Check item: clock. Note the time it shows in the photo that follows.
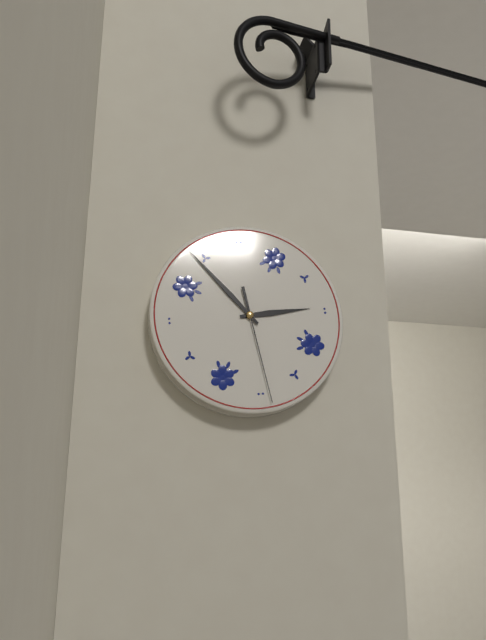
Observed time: 2:54:29
